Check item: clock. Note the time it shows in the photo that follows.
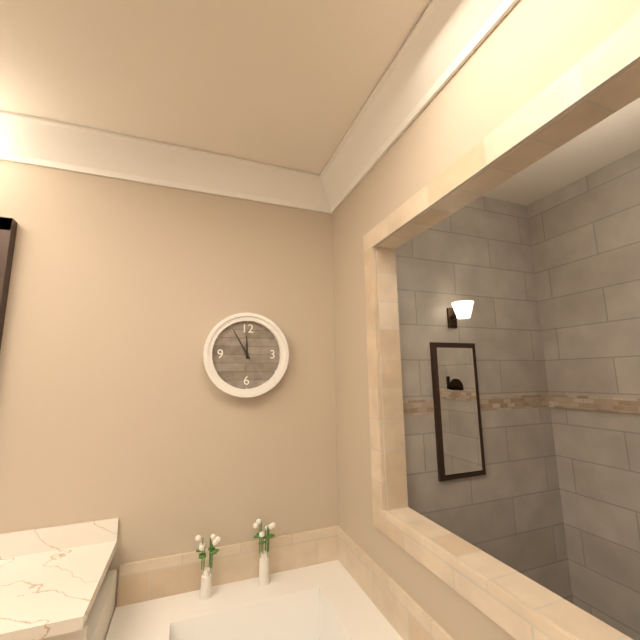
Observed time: 11:55
